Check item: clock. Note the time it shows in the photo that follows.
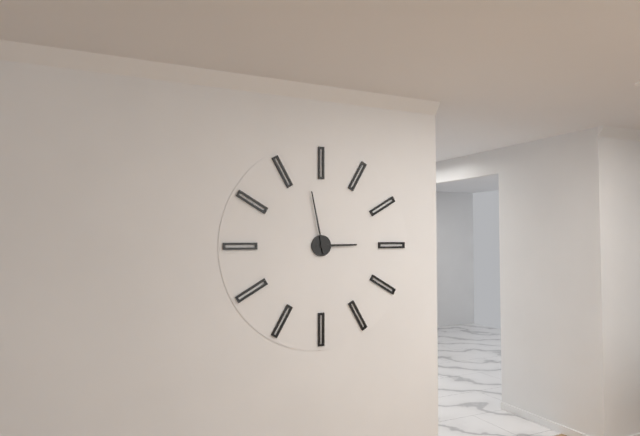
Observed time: 2:58
